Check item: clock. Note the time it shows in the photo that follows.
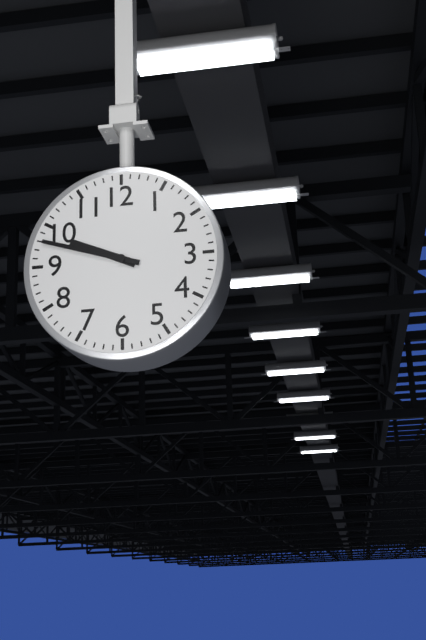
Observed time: 9:48
